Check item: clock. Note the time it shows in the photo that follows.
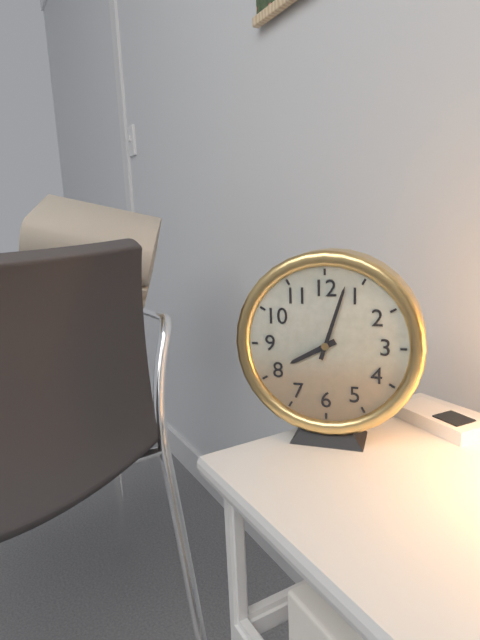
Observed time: 8:03
